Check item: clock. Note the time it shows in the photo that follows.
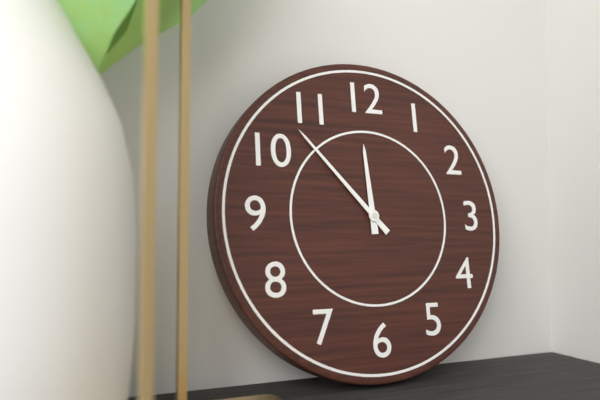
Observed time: 11:53
